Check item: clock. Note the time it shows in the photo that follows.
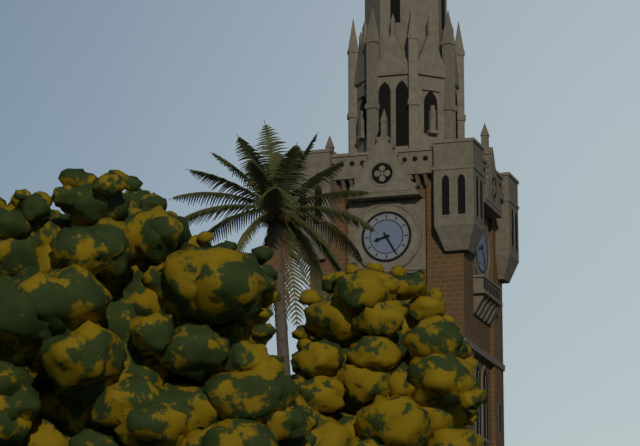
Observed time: 8:25
